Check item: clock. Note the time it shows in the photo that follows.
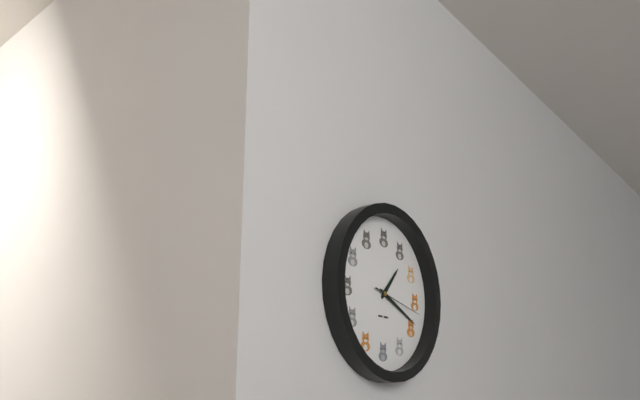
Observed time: 1:19:17
